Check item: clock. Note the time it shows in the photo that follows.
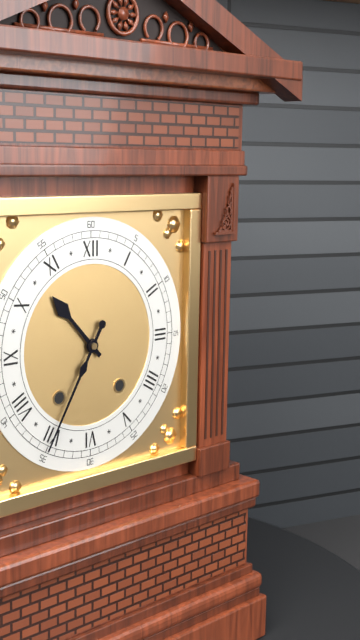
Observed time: 10:35
